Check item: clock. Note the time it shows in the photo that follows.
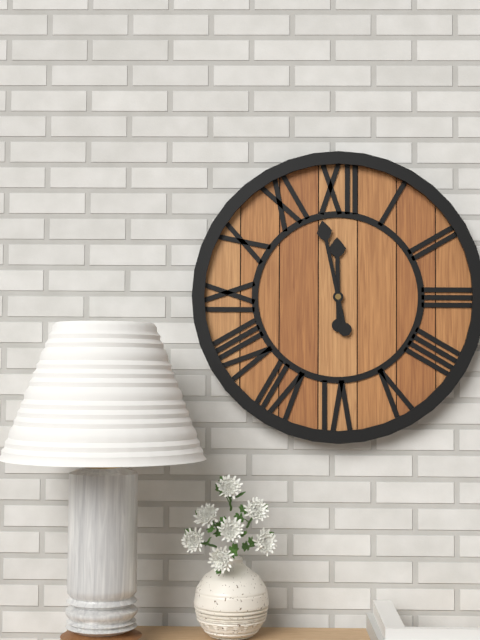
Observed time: 11:58
